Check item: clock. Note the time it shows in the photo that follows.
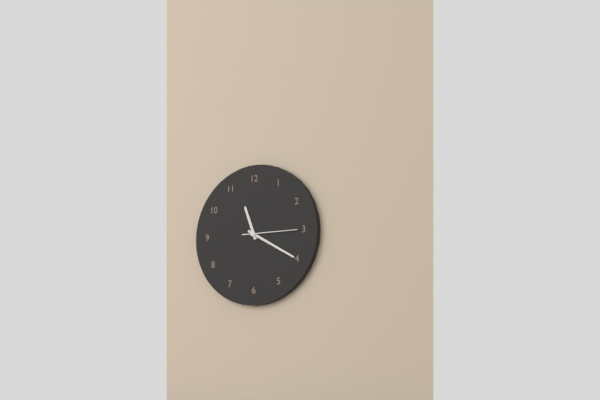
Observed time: 11:20:15
